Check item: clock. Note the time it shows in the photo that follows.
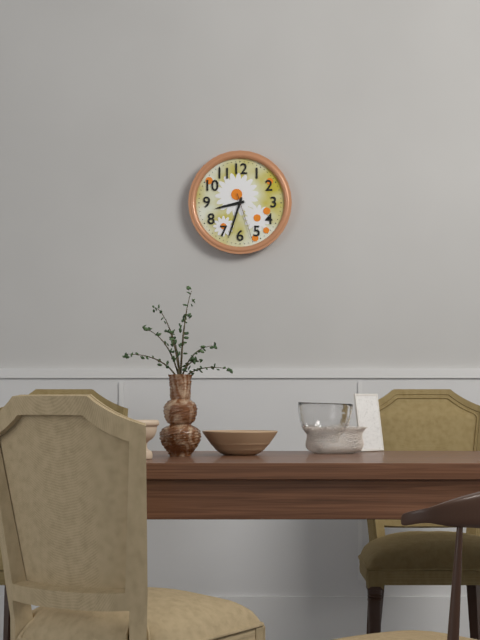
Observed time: 8:33
